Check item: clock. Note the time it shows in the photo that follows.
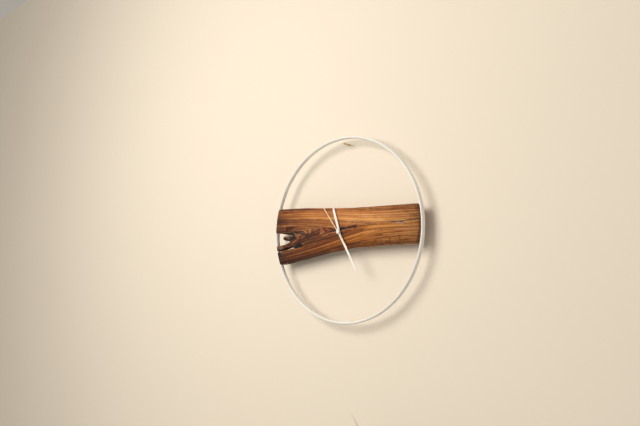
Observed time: 11:25
